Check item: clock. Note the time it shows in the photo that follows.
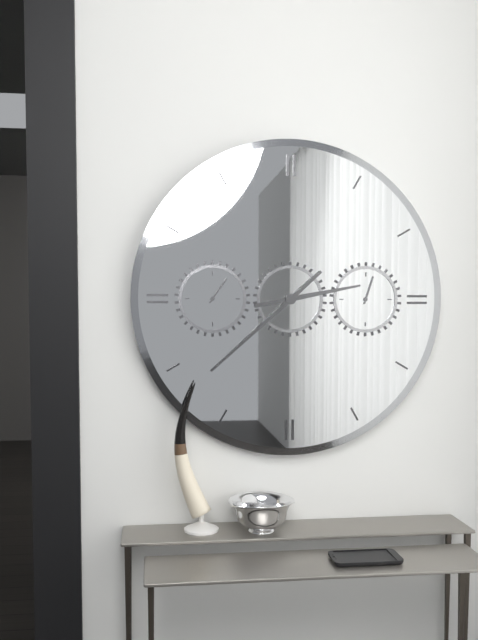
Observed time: 2:38
